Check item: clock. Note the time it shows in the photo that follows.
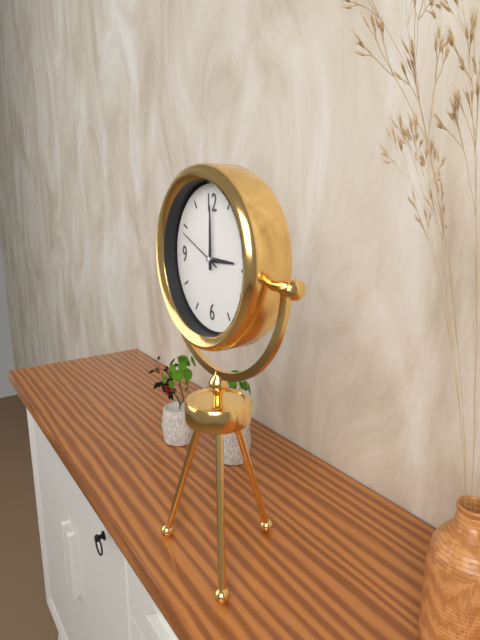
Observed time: 3:00
